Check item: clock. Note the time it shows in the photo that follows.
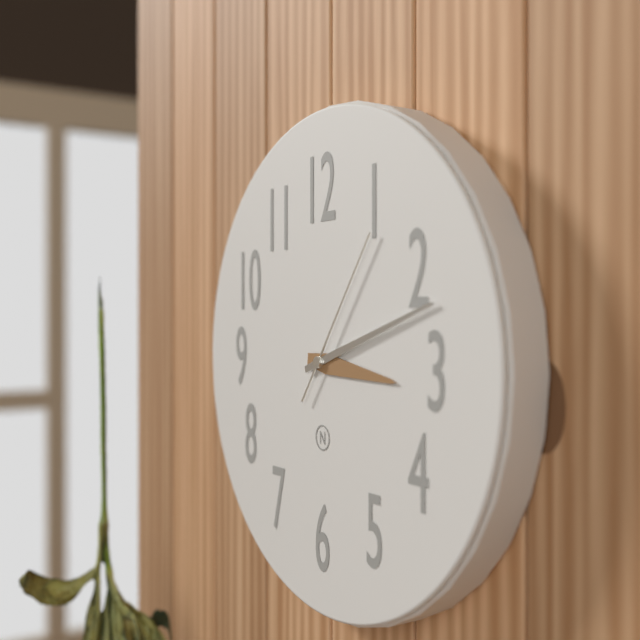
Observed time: 3:12:06
